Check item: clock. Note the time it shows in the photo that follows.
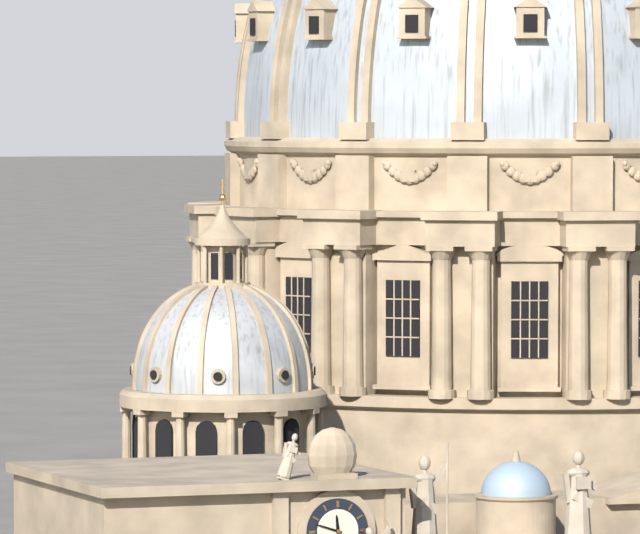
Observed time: 11:48
